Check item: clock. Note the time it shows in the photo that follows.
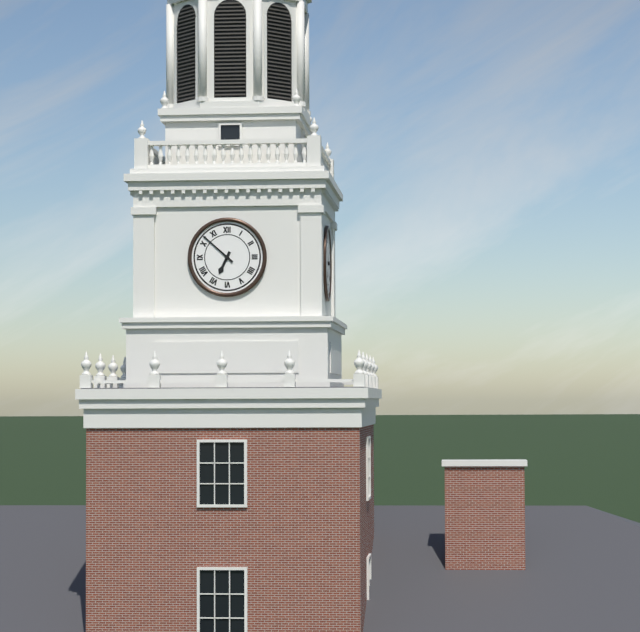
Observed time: 6:52
